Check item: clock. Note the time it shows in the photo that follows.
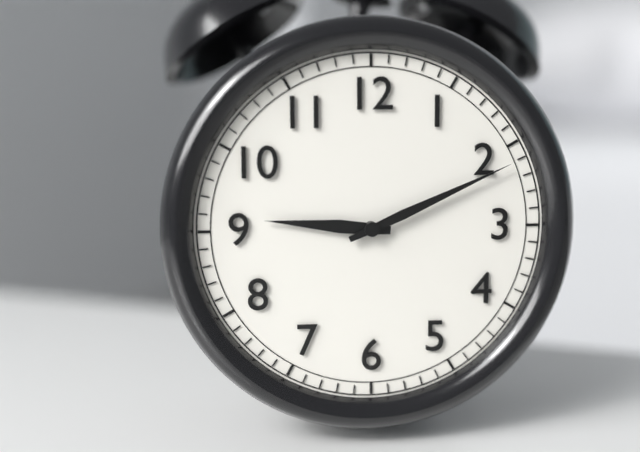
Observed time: 9:11
